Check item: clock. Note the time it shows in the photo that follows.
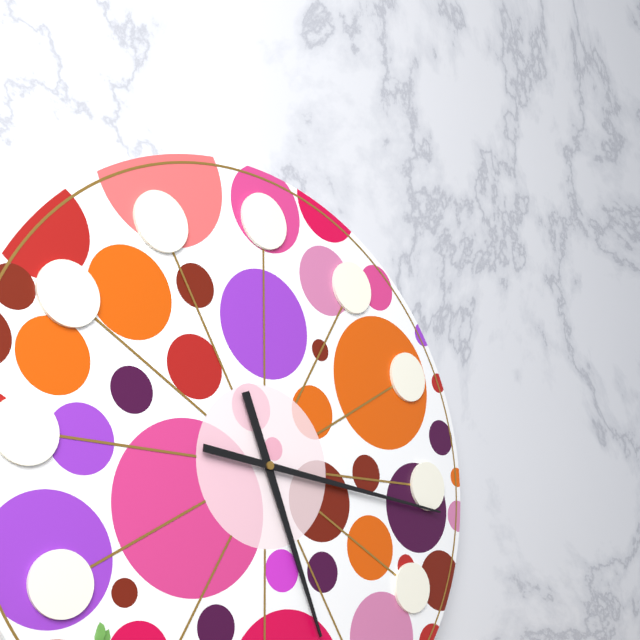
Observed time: 5:16
